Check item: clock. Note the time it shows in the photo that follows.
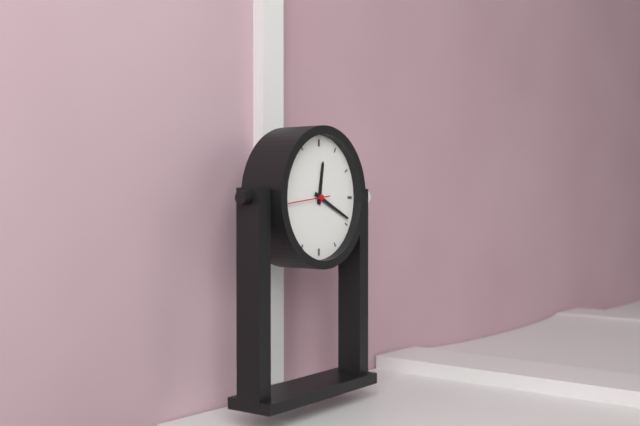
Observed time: 12:19
